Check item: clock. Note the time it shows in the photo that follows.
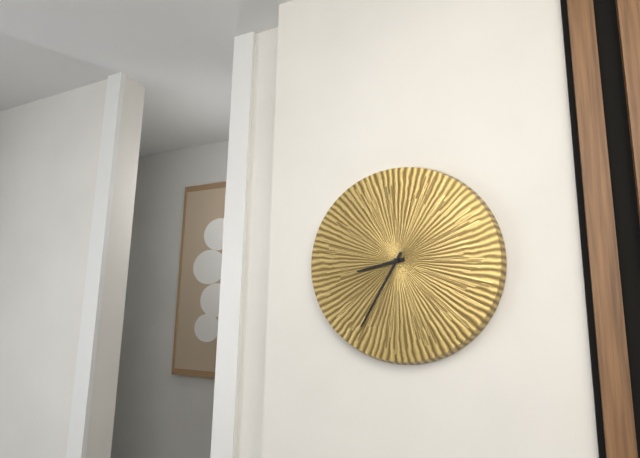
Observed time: 8:35
